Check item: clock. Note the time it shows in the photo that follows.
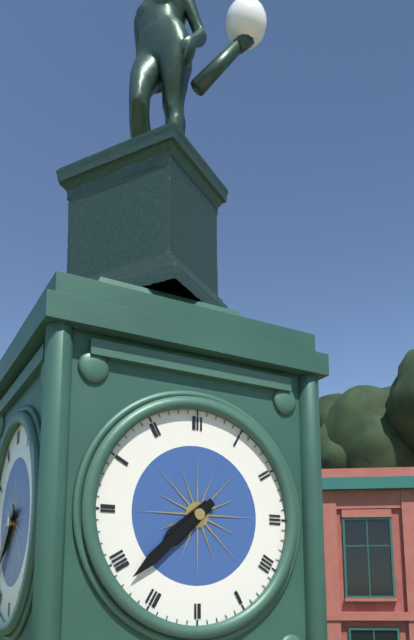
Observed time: 7:38
